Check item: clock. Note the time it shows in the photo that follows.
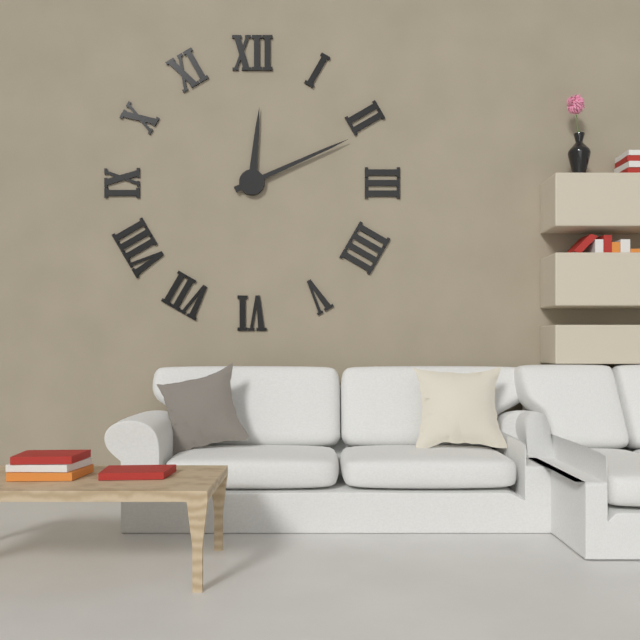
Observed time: 12:11
